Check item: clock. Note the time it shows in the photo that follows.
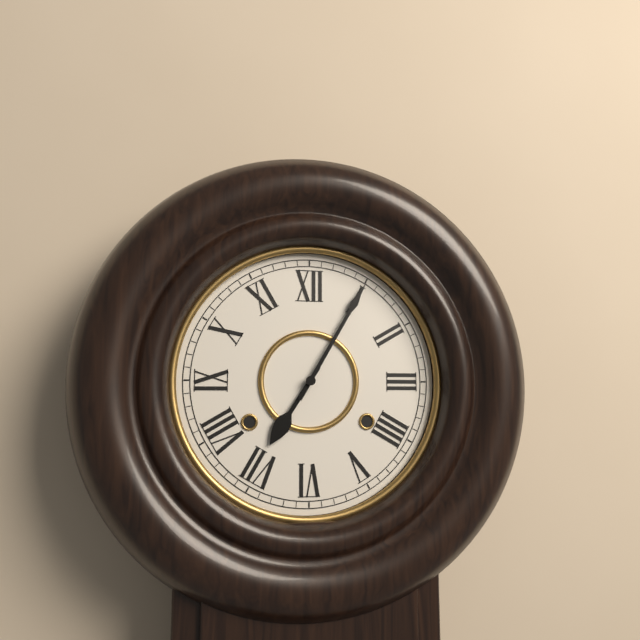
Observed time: 7:05
